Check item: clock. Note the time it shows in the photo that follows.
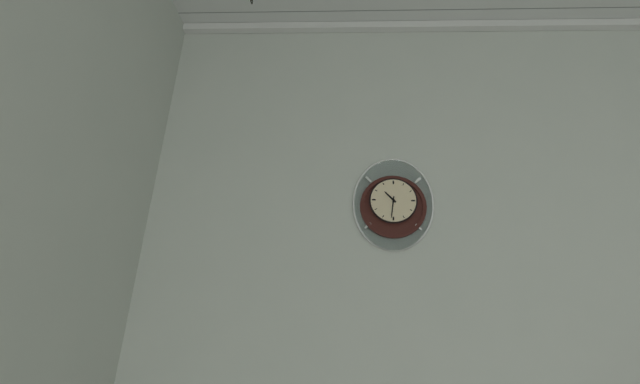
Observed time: 10:31
